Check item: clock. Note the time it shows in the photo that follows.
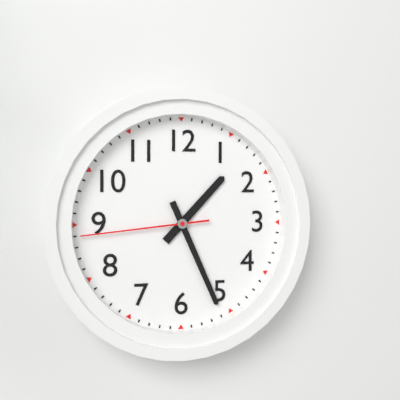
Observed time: 1:26:44
